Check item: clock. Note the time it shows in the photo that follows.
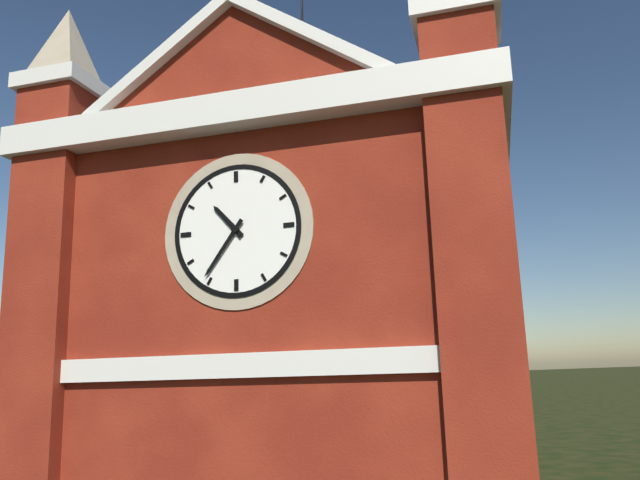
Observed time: 10:36
